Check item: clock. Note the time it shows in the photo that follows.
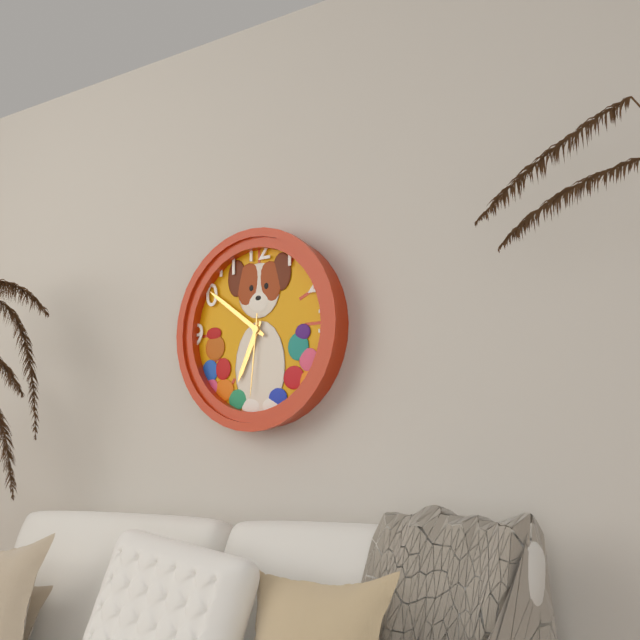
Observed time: 6:51:31
